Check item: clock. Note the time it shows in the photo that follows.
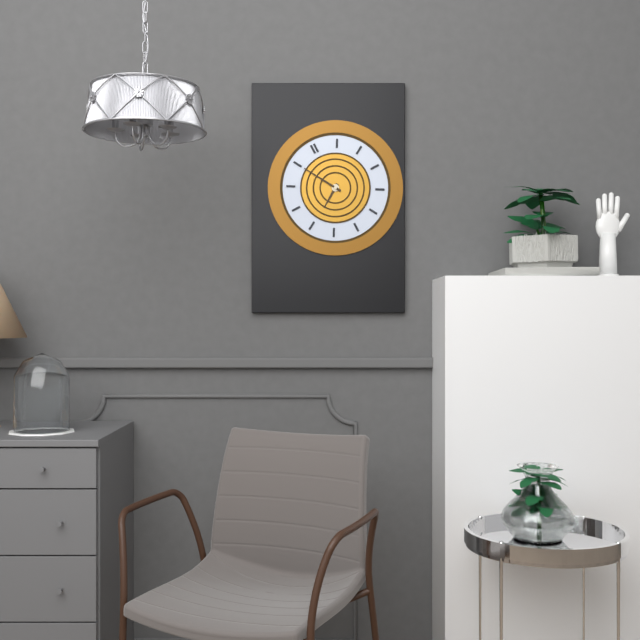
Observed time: 7:55
